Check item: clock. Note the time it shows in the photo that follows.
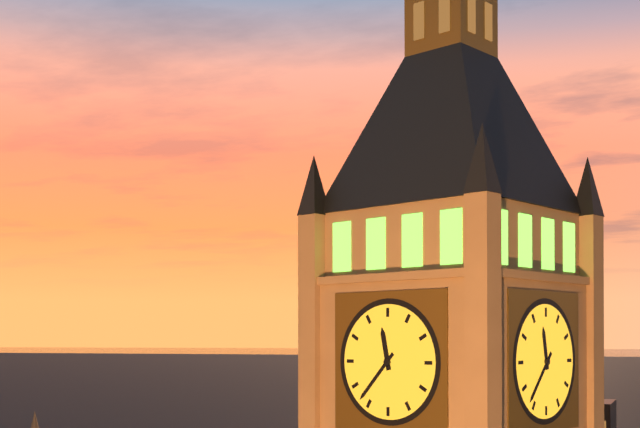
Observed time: 11:37
